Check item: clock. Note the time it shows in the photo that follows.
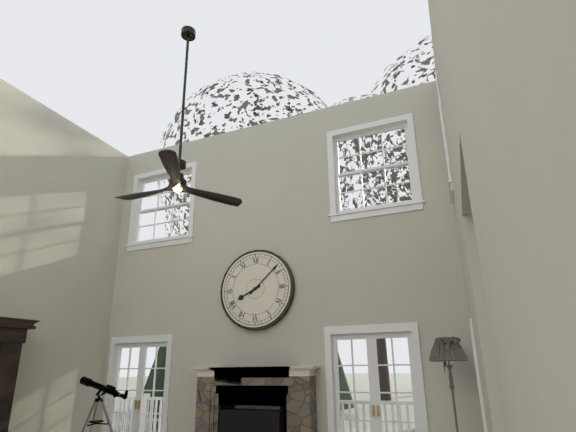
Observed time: 8:08
